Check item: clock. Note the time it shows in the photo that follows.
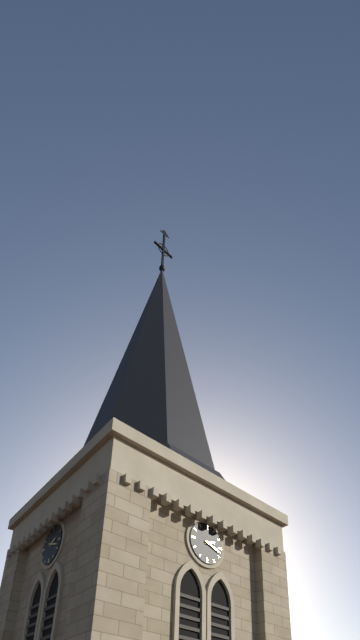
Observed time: 2:18
